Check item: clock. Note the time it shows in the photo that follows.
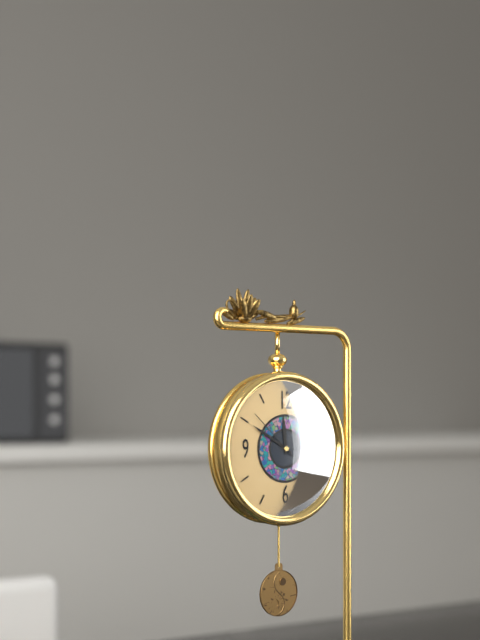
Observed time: 11:50:52
